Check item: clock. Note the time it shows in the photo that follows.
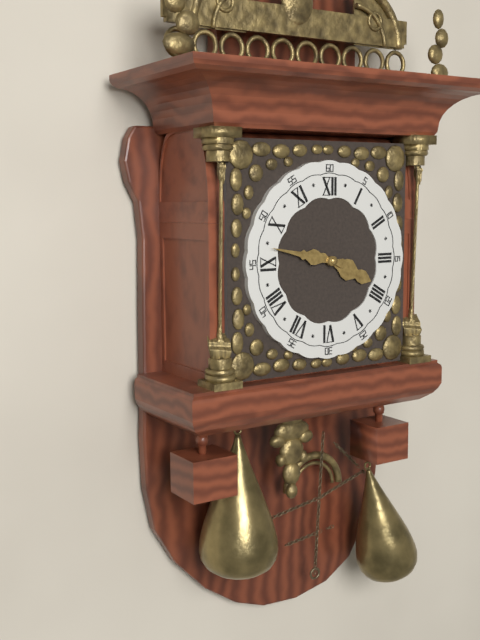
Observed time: 3:47
